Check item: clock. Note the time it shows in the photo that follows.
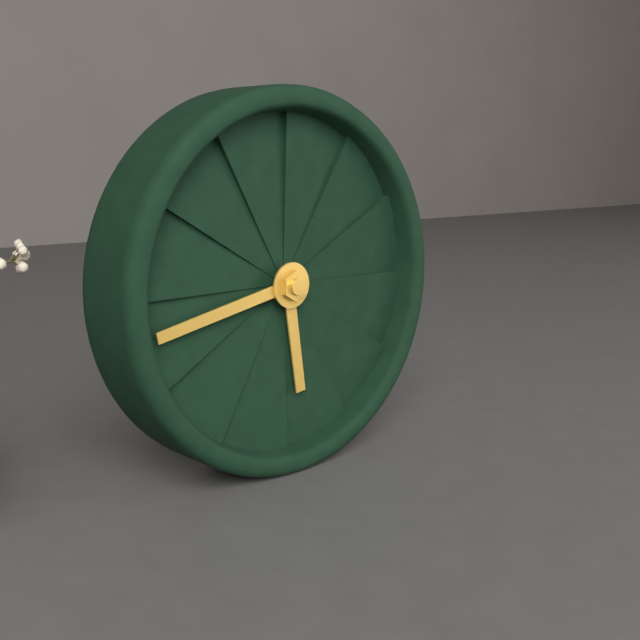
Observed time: 5:43
